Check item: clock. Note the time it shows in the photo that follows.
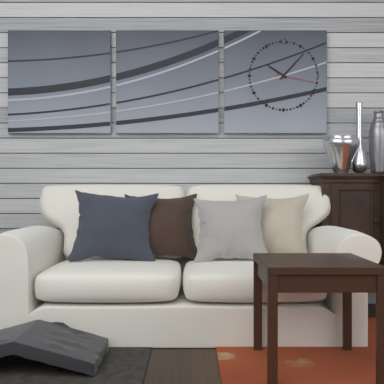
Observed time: 10:07
